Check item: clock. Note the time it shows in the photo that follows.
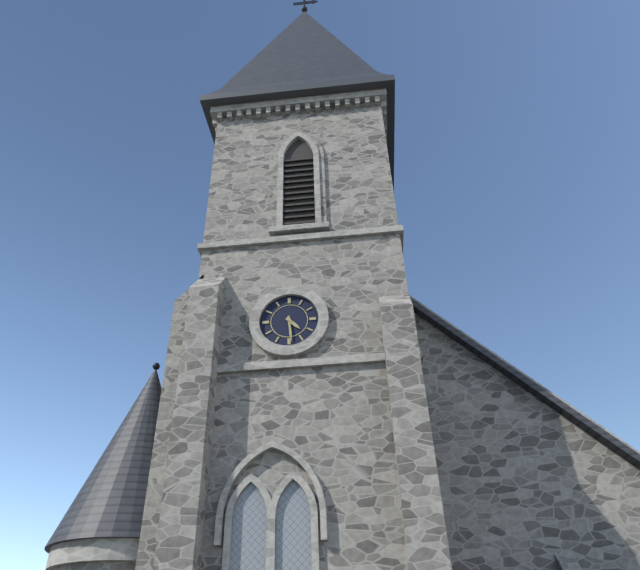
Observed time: 4:29
